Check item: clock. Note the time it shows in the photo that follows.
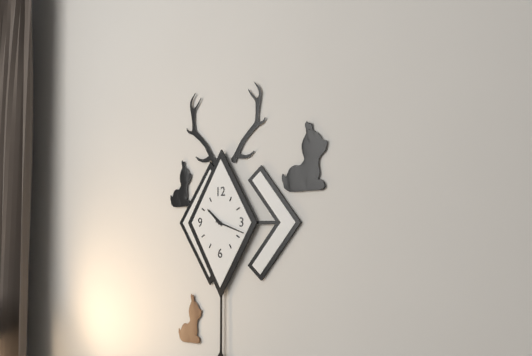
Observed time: 10:18
